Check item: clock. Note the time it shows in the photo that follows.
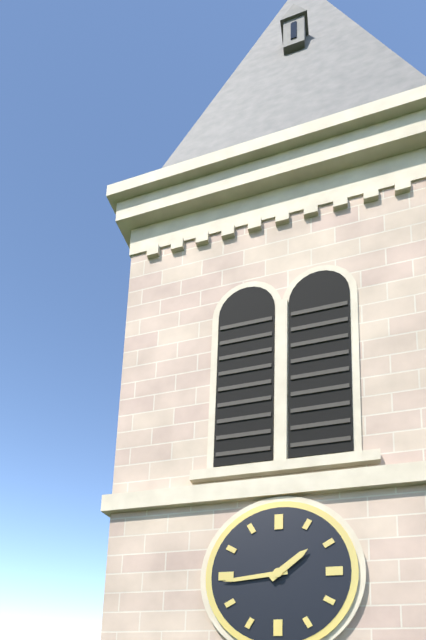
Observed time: 1:44
